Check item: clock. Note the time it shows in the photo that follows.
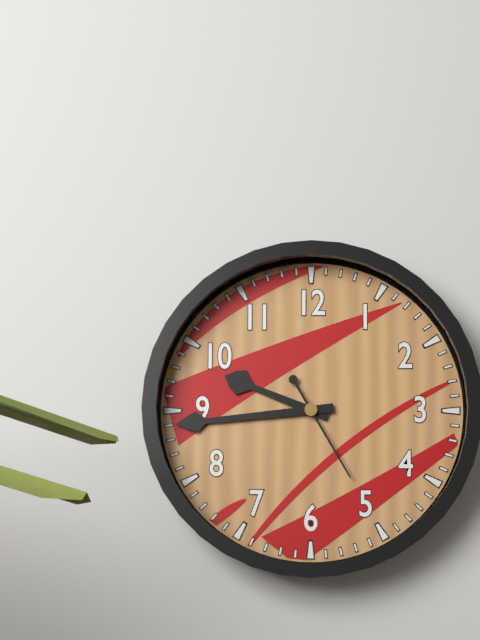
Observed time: 9:44:25
